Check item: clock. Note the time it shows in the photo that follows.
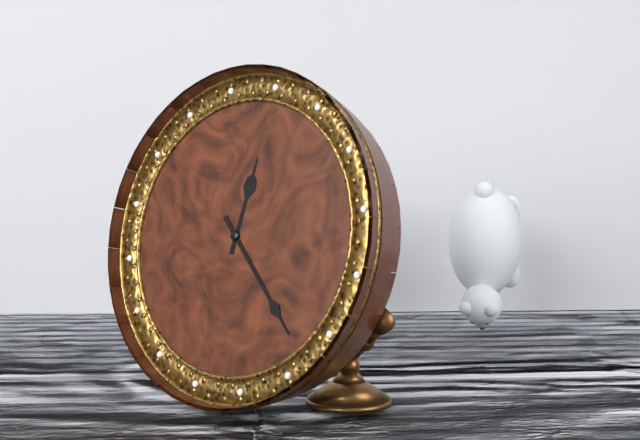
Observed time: 12:23
